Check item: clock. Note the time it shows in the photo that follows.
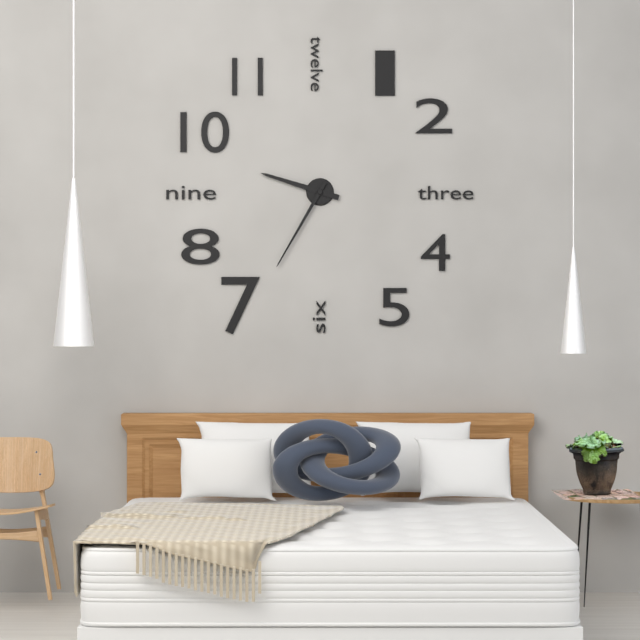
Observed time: 9:35
